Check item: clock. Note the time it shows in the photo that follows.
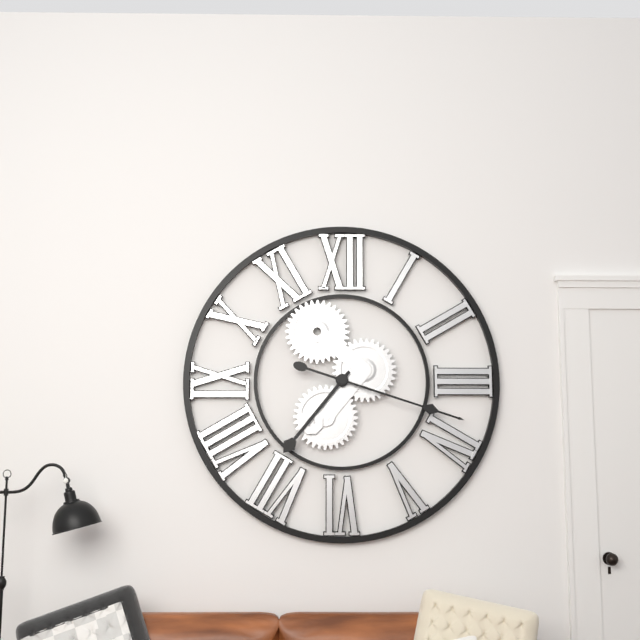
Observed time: 7:18
